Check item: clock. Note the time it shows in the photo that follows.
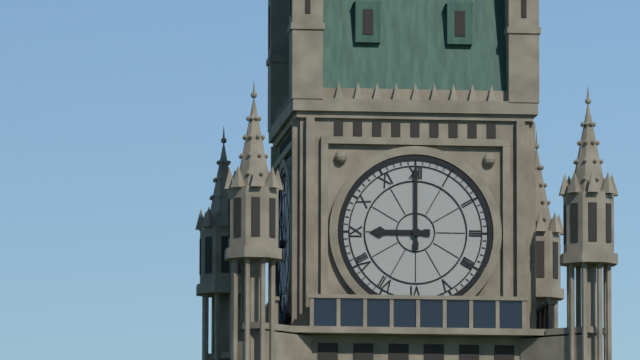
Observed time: 9:00
